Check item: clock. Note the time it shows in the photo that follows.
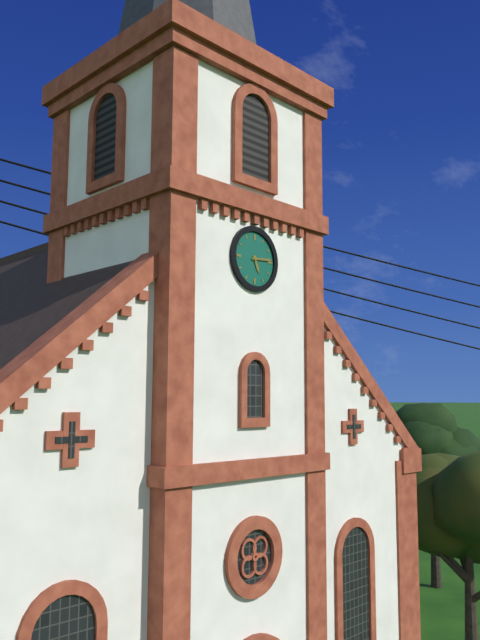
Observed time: 5:14
